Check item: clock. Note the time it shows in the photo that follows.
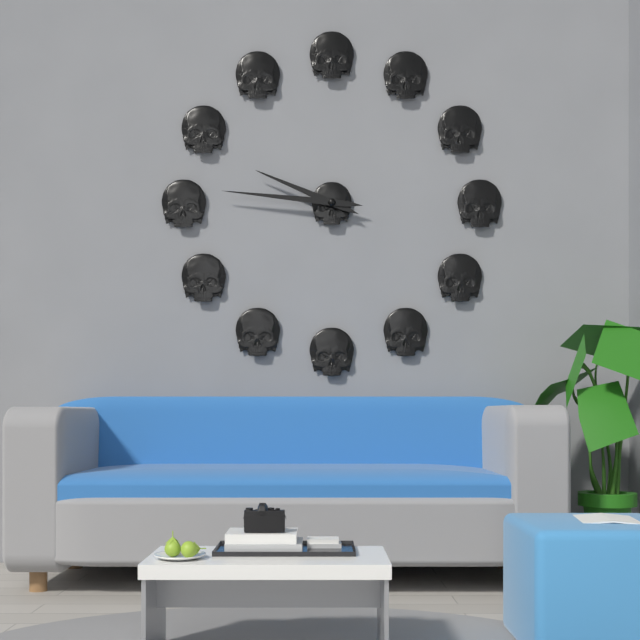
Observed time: 9:46
